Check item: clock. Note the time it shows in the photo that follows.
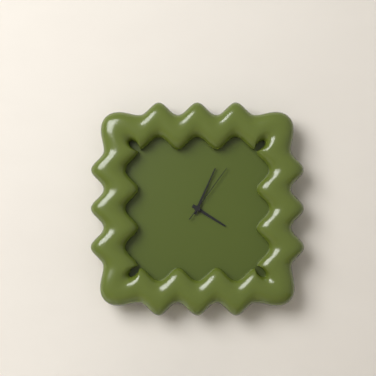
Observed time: 4:04:06
